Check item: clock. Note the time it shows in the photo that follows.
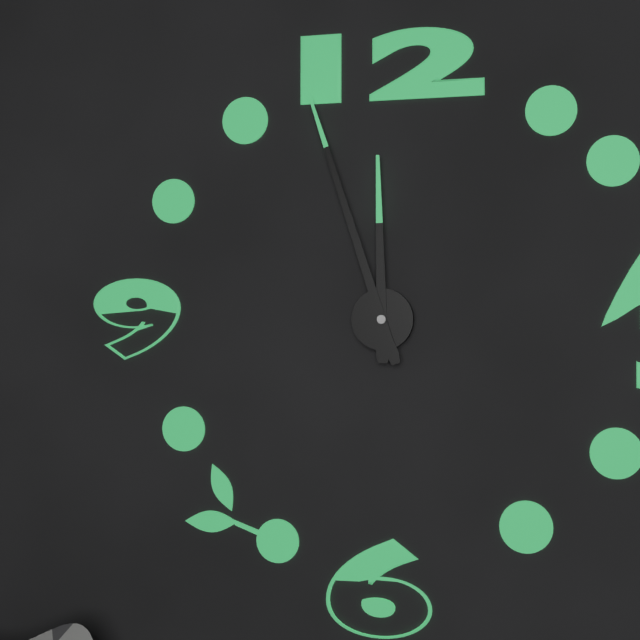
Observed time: 11:57
